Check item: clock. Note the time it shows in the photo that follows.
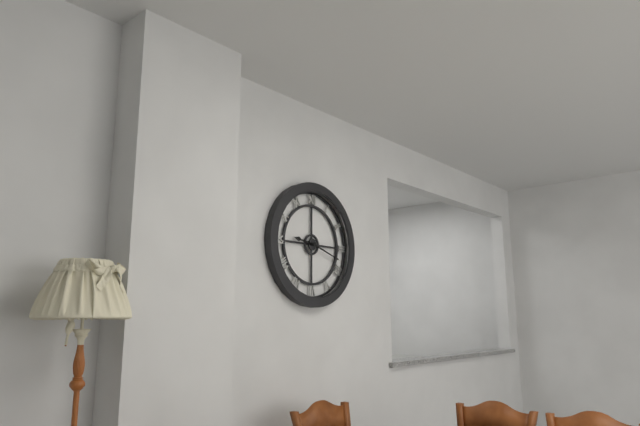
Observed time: 9:18
